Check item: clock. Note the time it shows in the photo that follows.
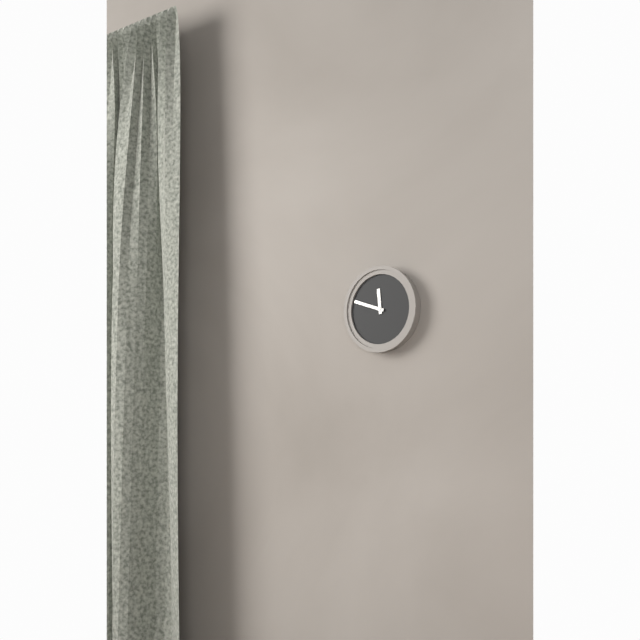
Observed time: 11:48
